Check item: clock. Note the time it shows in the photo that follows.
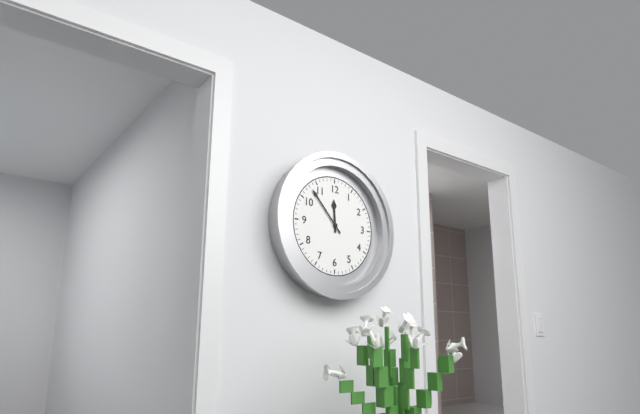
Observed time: 11:53
